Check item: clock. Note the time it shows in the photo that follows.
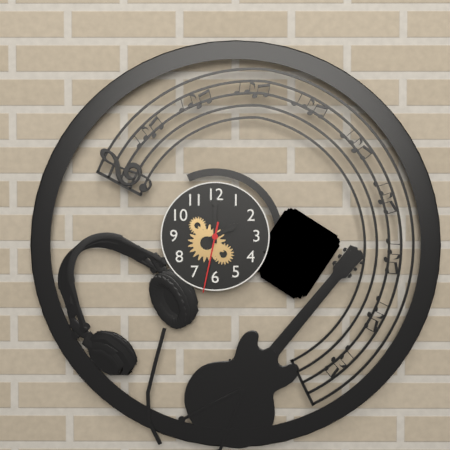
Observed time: 2:00:32
